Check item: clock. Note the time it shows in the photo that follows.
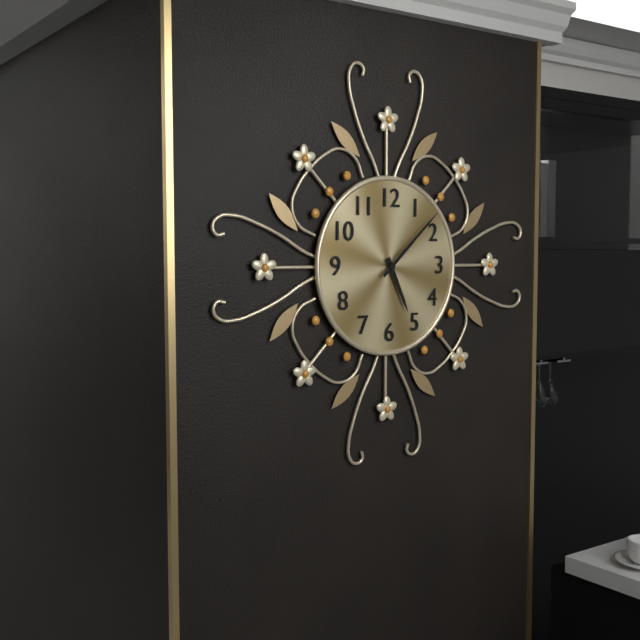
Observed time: 5:08
